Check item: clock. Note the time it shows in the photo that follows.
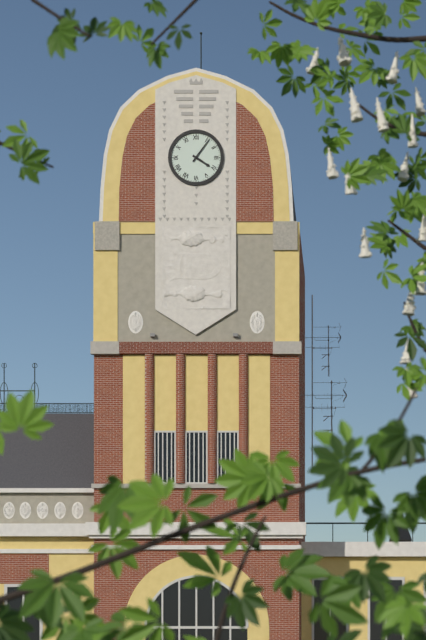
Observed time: 4:06
